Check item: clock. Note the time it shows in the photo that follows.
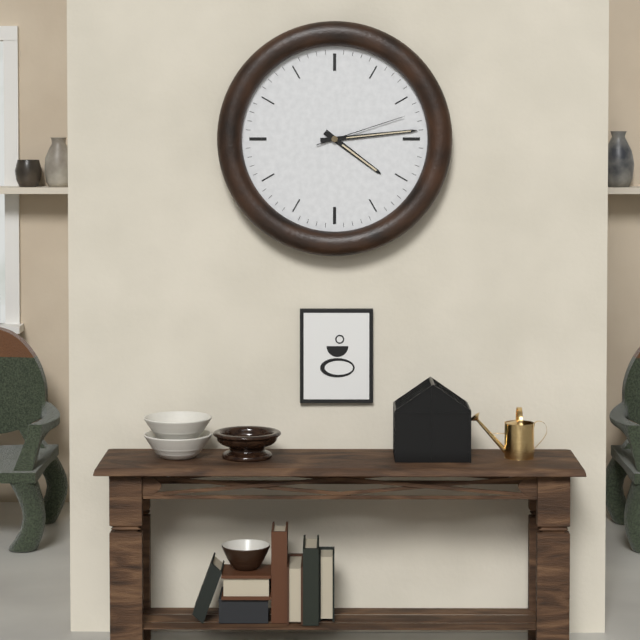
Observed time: 4:14:12
